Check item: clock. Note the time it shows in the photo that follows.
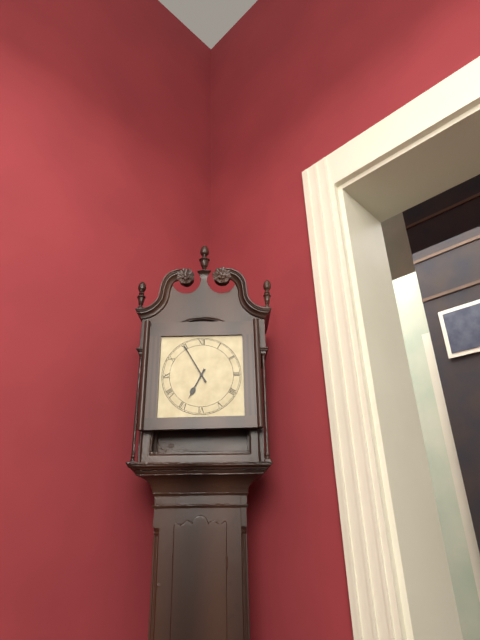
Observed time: 6:55
